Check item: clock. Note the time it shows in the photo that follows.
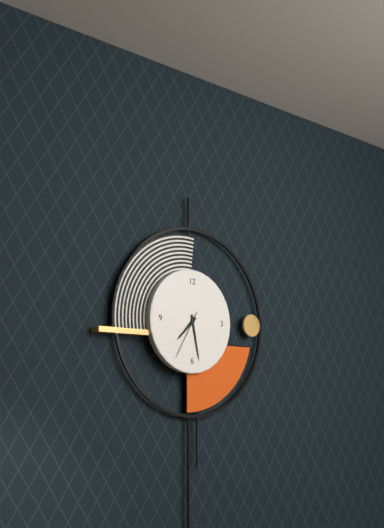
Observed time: 7:28:35
